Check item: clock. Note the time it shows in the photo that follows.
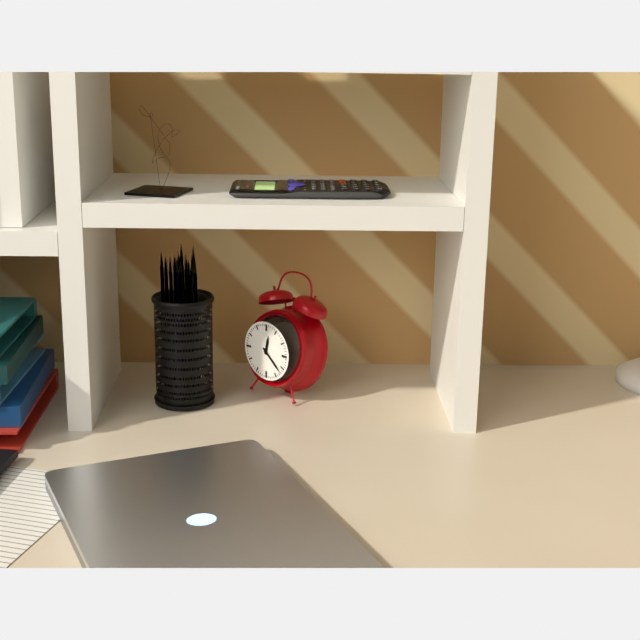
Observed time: 12:22
